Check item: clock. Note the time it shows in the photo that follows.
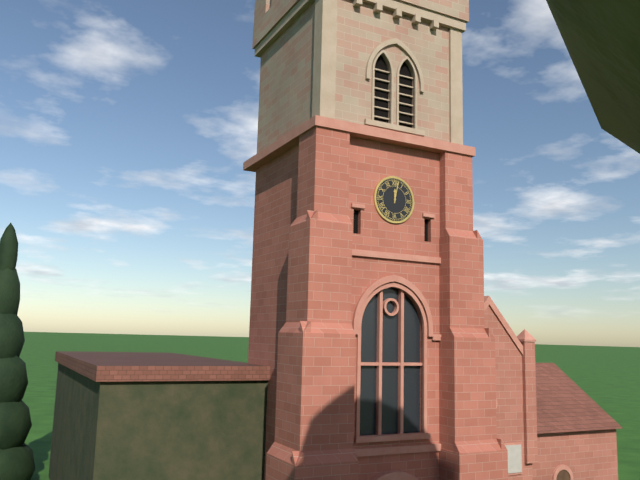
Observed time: 12:02
